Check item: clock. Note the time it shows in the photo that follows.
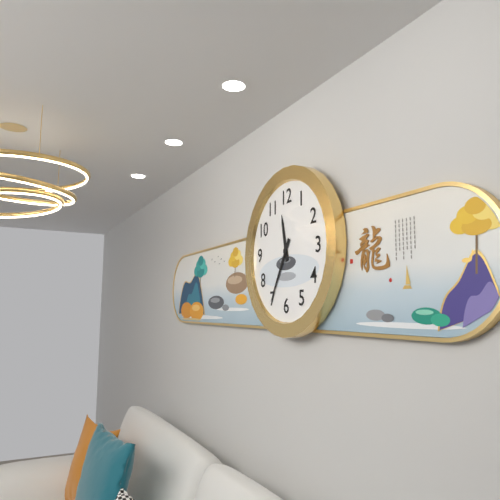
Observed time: 11:35
